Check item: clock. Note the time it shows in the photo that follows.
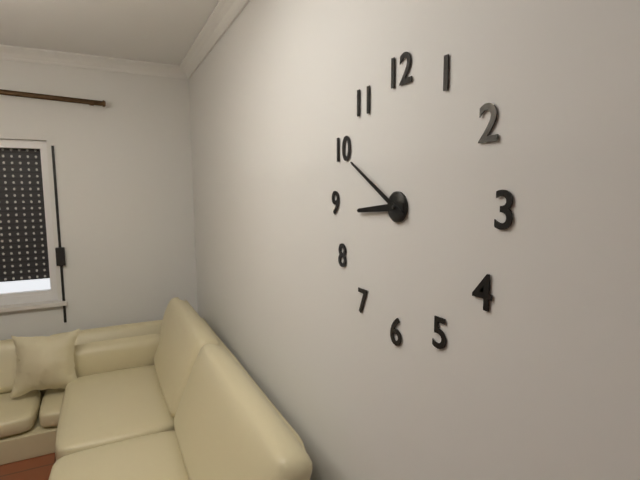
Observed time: 8:50
